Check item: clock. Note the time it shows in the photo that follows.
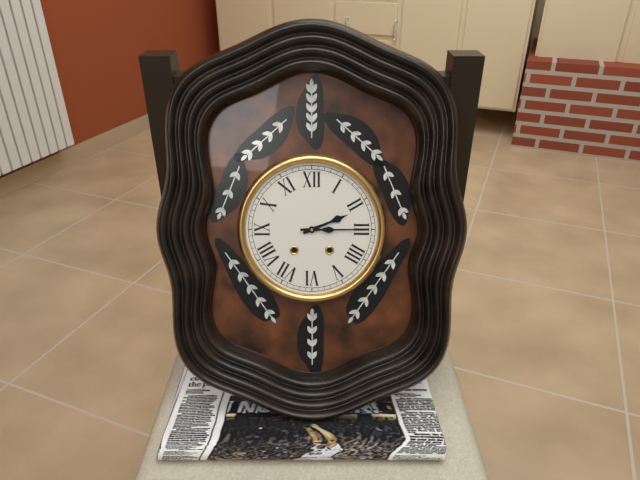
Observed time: 2:15
